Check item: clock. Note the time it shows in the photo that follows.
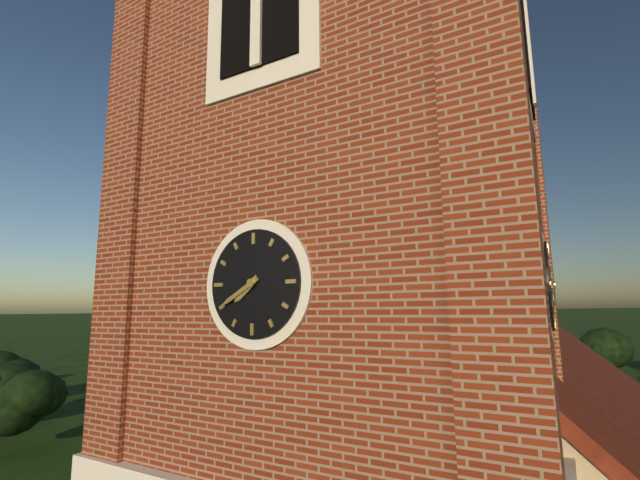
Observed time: 7:40
